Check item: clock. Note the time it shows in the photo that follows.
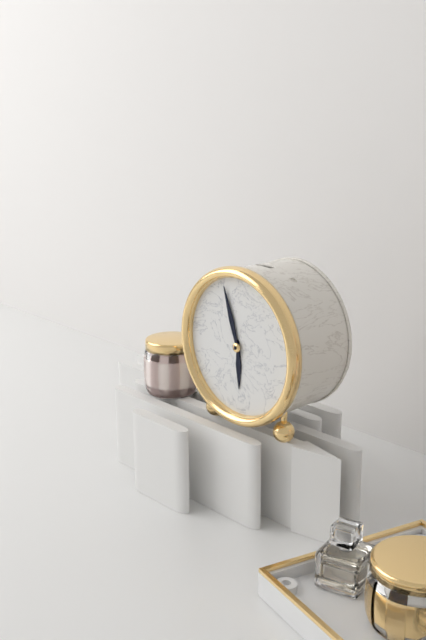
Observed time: 5:57
